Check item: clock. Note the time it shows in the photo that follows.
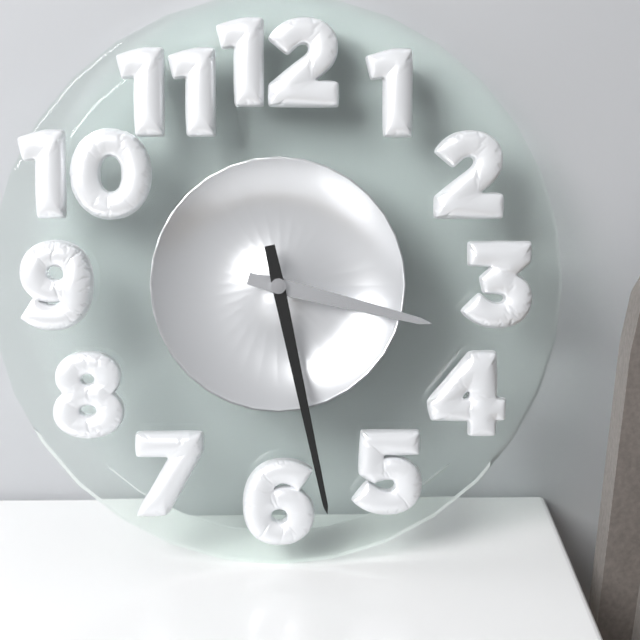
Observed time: 3:28
